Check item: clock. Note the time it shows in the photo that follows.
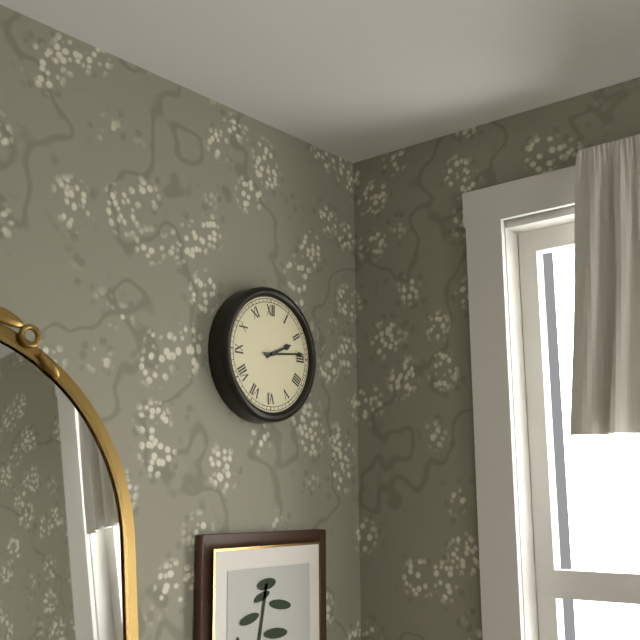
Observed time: 2:14
